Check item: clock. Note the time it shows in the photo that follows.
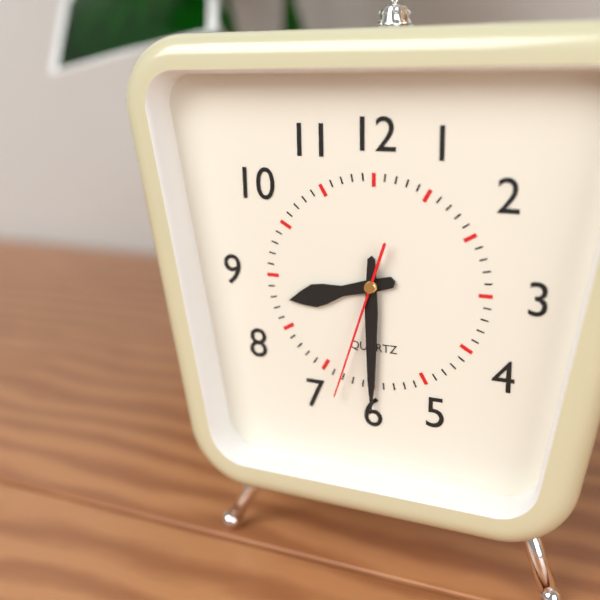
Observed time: 8:30:33
